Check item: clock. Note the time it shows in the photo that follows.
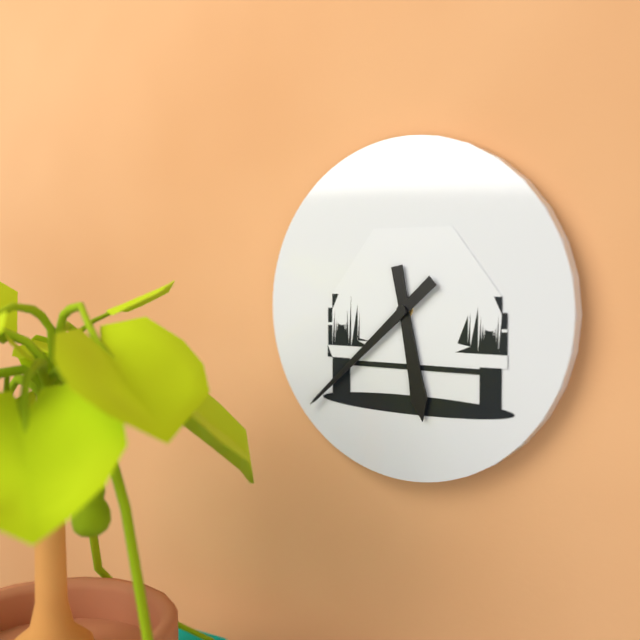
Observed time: 5:38
